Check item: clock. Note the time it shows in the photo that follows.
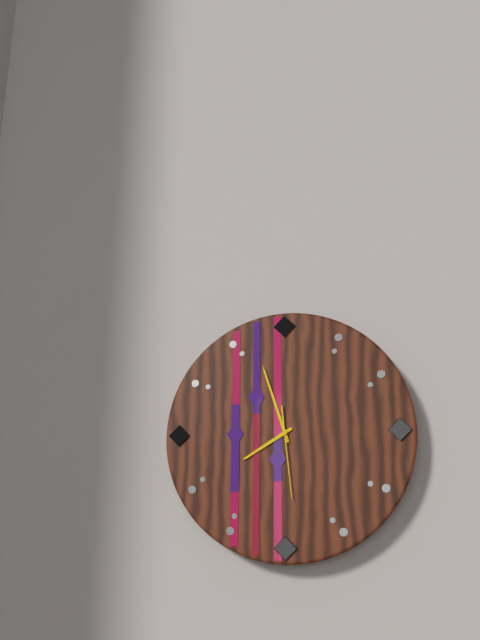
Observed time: 7:57:29
